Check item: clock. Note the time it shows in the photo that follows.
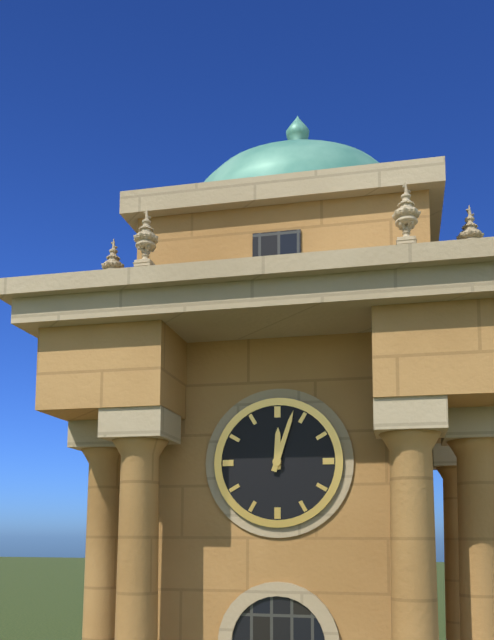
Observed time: 12:03
